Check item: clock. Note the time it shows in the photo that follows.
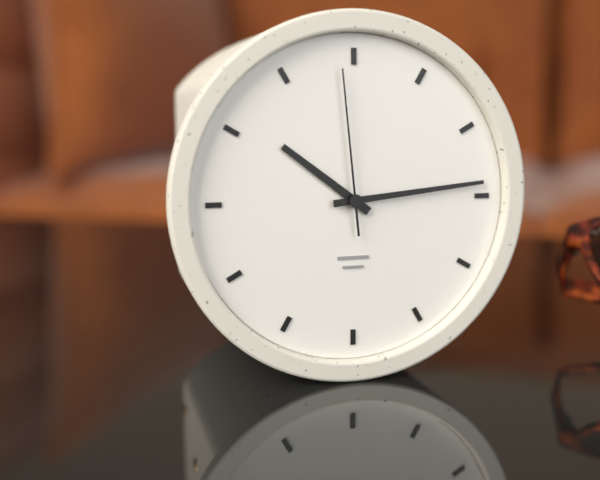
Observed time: 10:14:59
